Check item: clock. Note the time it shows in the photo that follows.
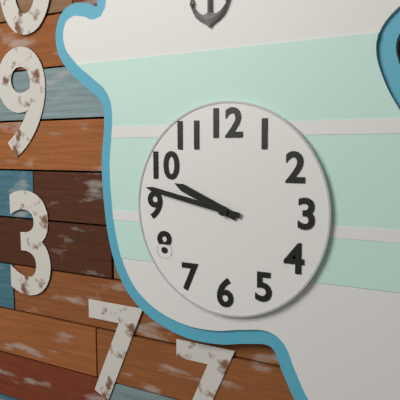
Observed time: 9:47
